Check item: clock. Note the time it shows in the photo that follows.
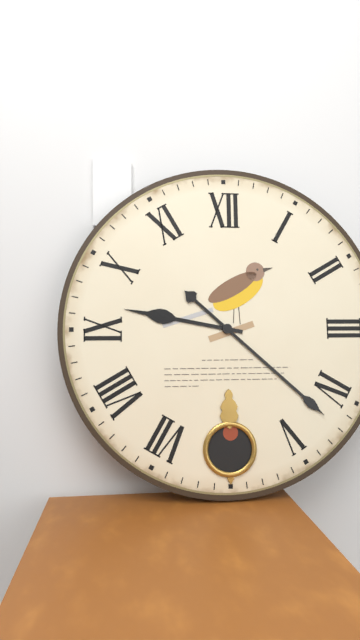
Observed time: 9:22
